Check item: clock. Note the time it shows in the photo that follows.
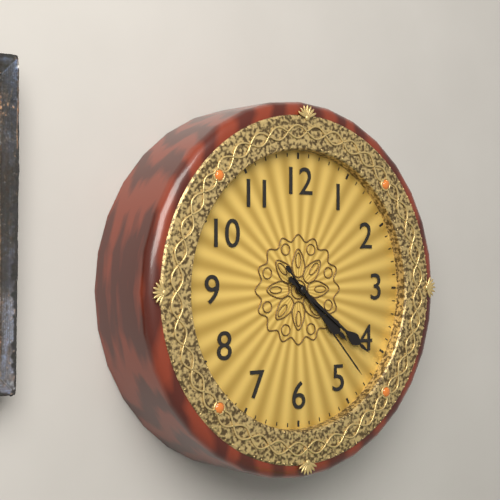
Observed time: 4:21:23
